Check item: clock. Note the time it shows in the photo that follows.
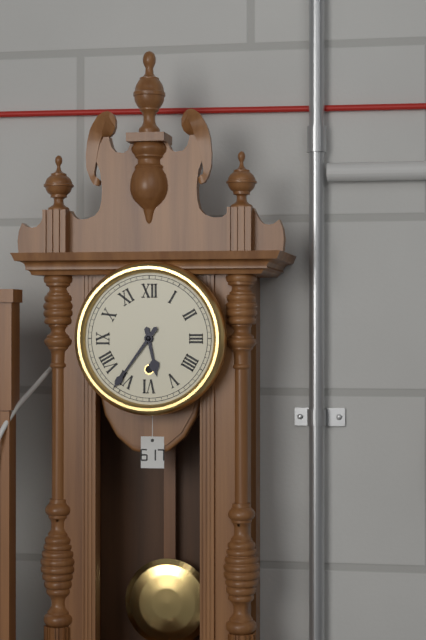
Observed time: 5:36
